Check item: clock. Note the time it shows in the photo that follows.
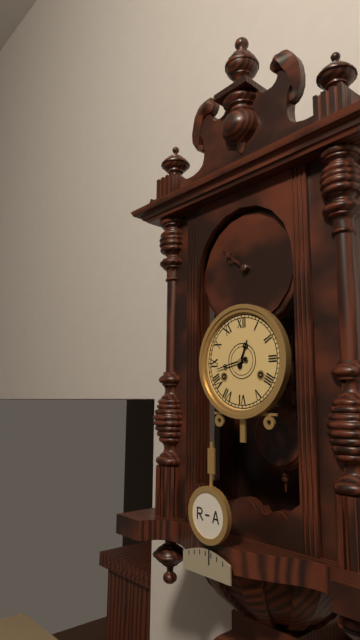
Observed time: 12:43
